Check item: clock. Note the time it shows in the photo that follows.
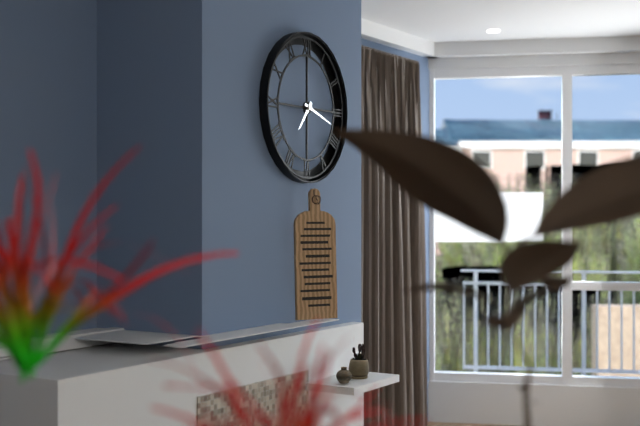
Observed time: 7:18
